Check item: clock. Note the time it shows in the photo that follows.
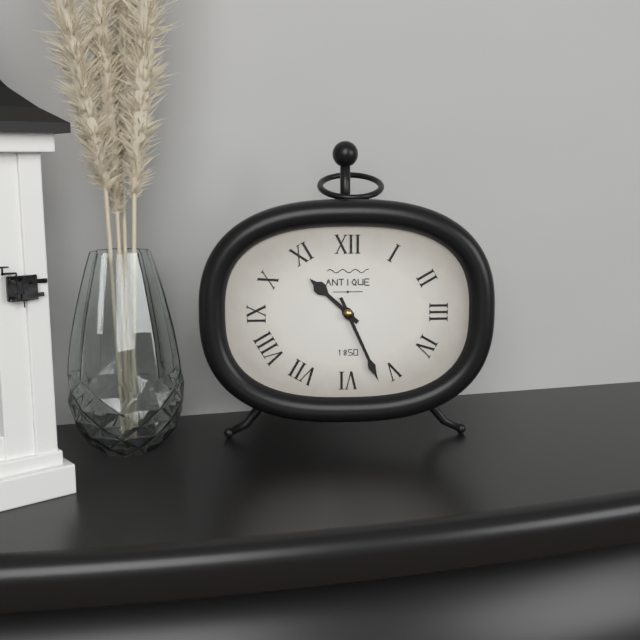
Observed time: 10:26
